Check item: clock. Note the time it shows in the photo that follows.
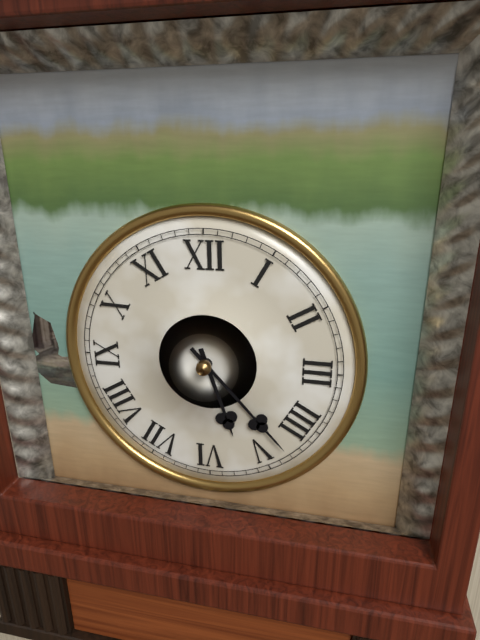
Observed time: 5:23
